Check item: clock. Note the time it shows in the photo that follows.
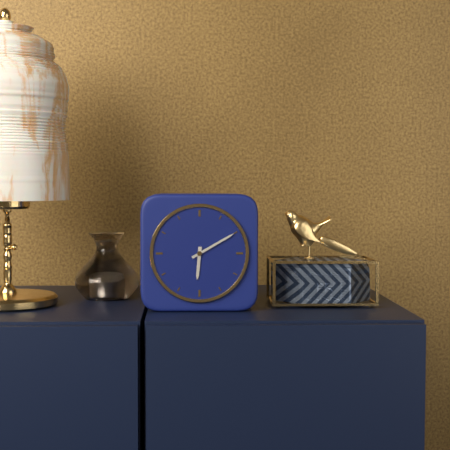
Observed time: 6:10
